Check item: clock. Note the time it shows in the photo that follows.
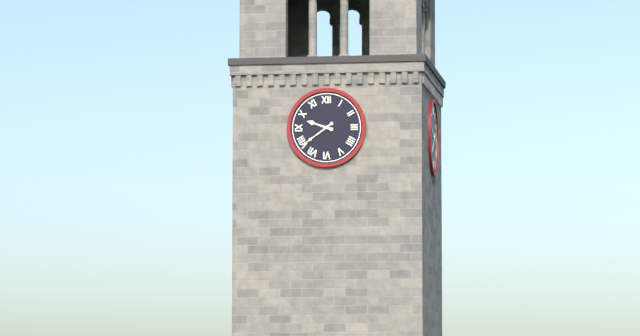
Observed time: 9:39
